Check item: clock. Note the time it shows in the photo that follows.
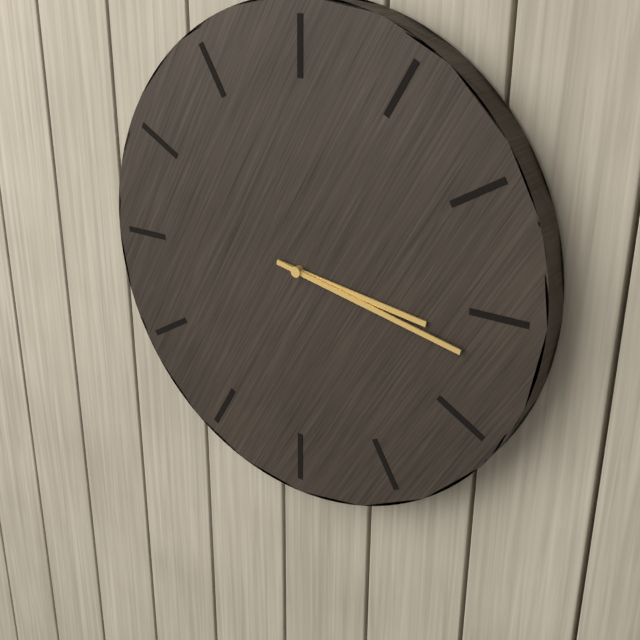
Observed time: 3:17
